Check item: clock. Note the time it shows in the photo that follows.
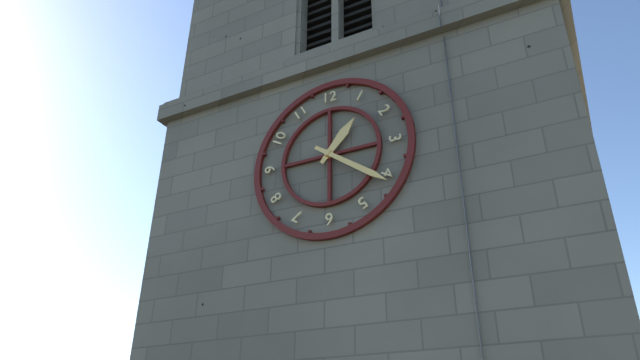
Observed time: 1:21
